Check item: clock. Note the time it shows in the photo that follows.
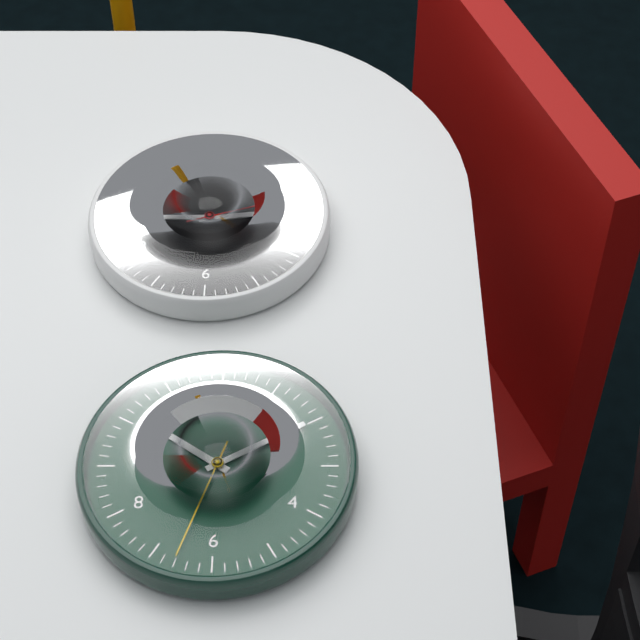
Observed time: 2:45:12
